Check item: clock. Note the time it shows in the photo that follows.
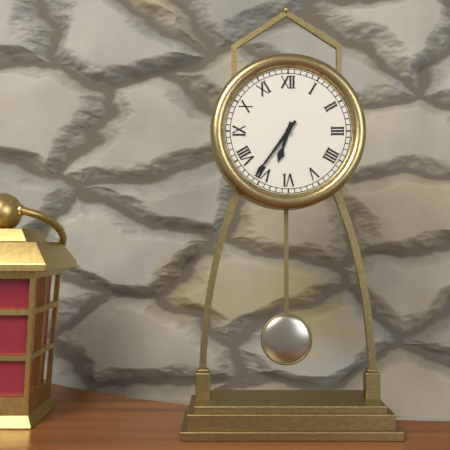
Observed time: 6:36
